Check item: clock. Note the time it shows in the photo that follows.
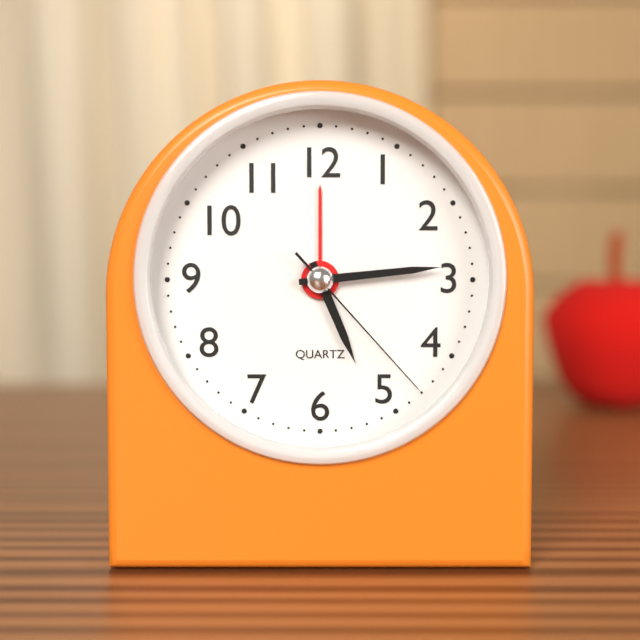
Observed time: 5:14:23
